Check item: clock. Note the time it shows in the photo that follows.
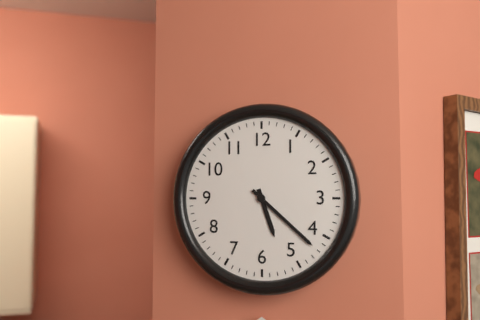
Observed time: 5:22
